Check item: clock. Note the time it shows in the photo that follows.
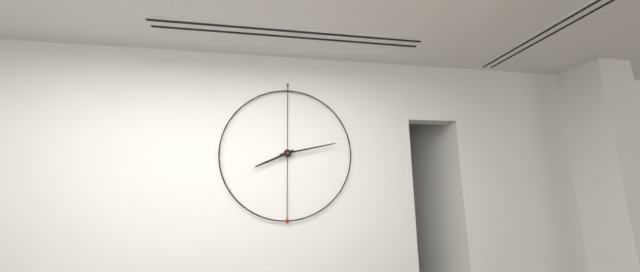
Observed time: 8:13
